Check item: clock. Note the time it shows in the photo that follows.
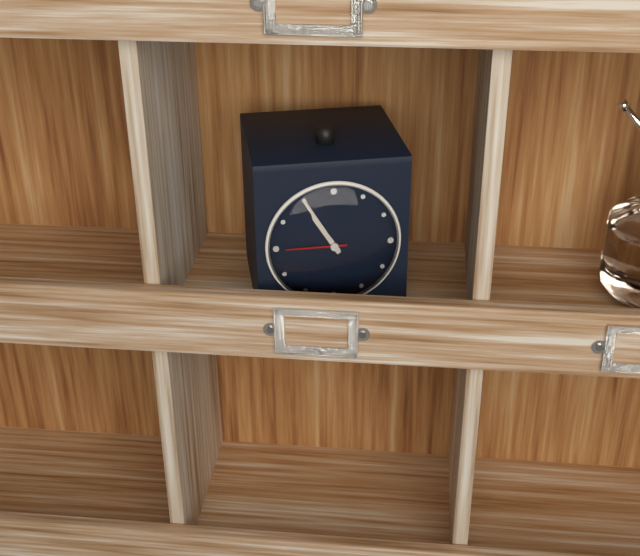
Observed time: 10:55:45
